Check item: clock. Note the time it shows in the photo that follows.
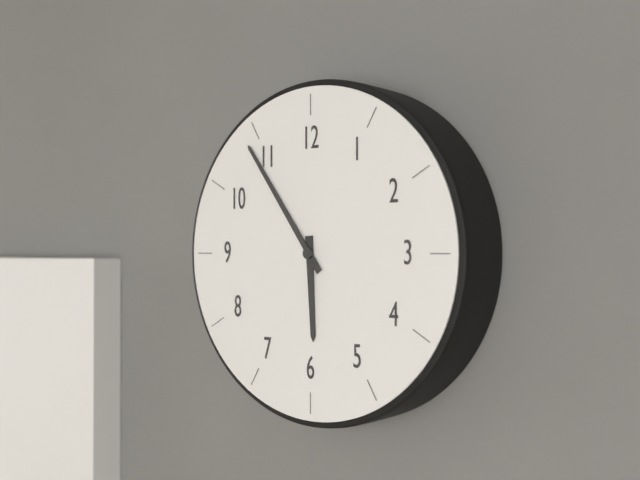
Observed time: 5:54
